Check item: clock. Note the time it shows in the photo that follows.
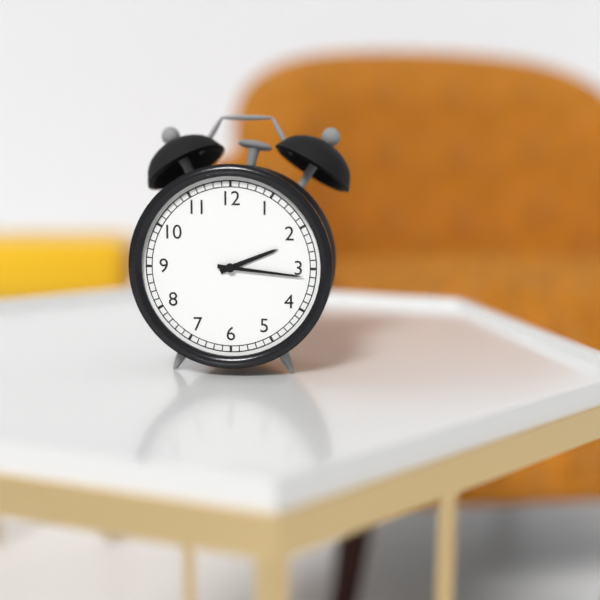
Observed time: 2:16
